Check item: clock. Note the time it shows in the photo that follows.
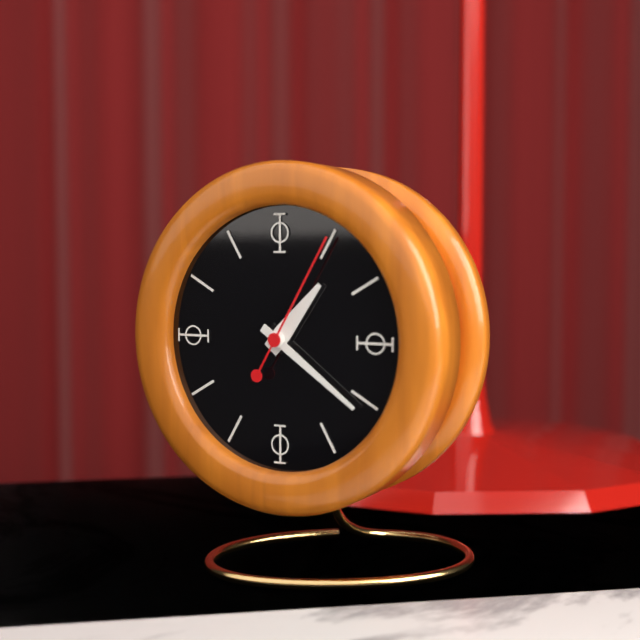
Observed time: 1:21:05
